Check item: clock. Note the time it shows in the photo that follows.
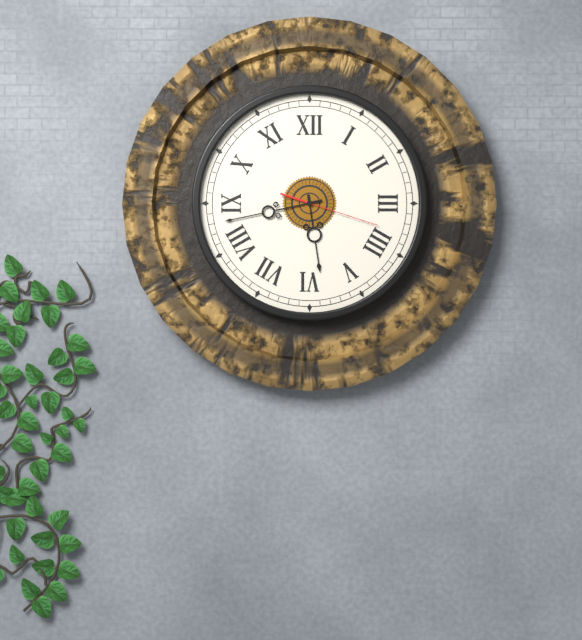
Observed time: 5:43:18
